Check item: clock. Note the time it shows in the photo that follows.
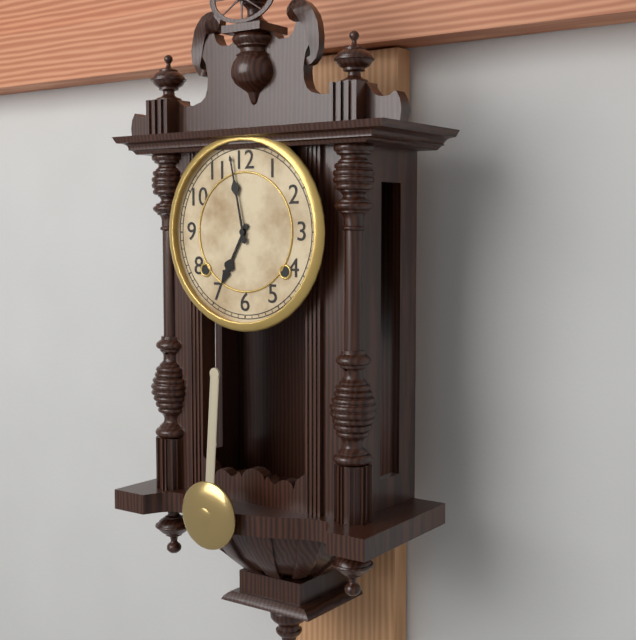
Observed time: 6:58
